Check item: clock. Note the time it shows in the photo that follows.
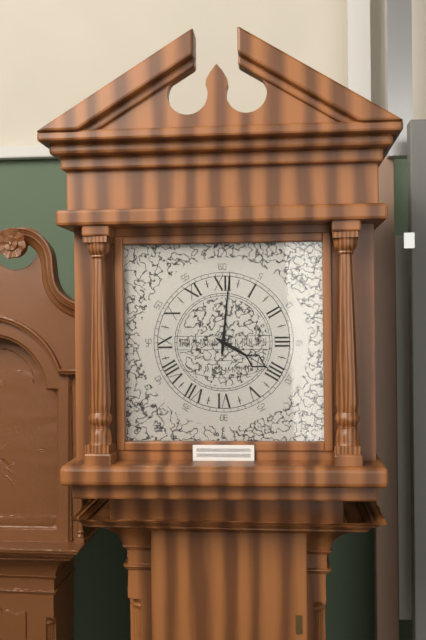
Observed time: 4:01
